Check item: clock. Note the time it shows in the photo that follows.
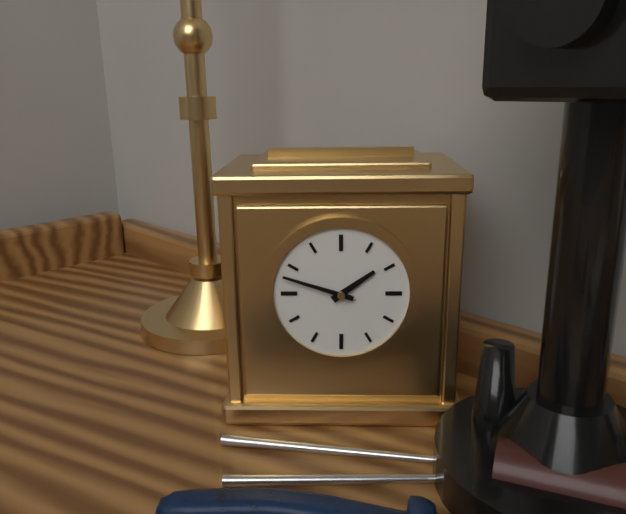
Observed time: 1:48
